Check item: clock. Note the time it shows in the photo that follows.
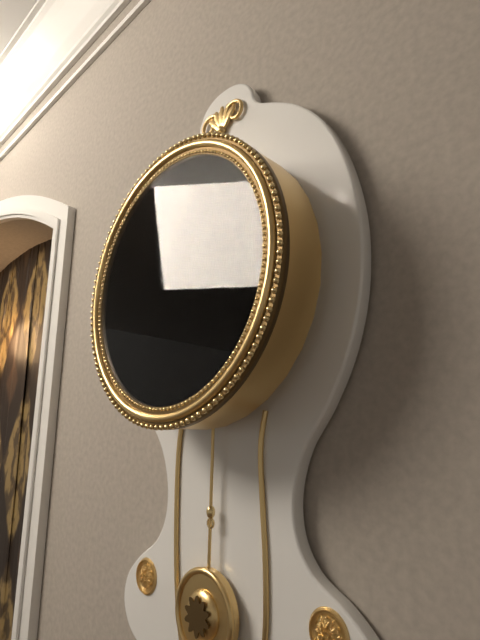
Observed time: 9:07
